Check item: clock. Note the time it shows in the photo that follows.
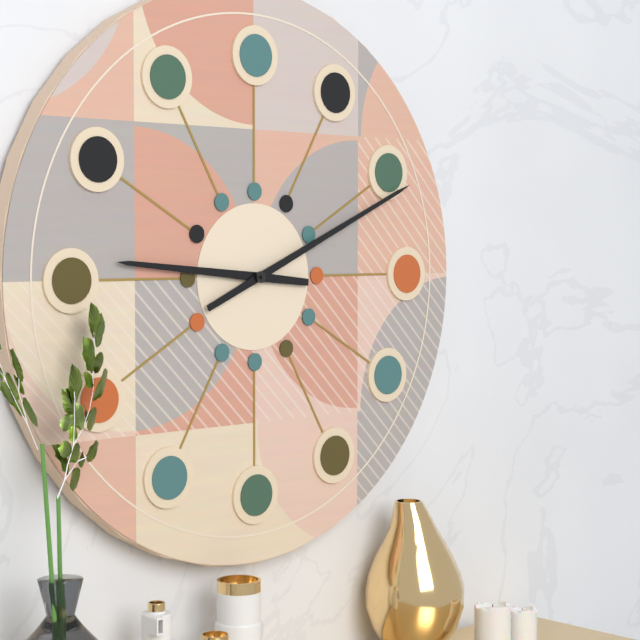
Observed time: 9:11
